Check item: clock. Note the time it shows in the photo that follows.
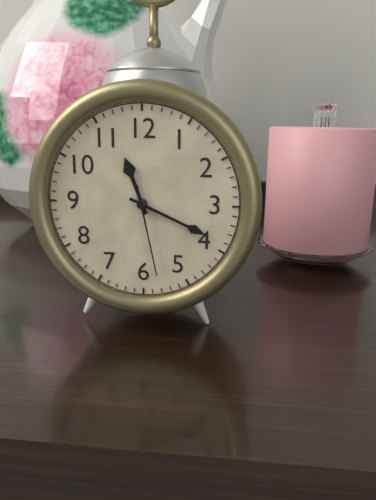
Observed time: 11:19:28
